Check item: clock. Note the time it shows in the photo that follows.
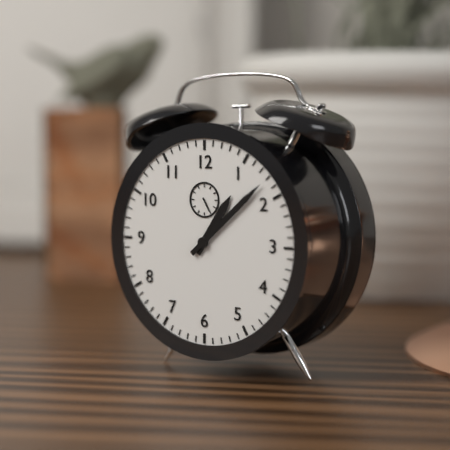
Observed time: 1:08
